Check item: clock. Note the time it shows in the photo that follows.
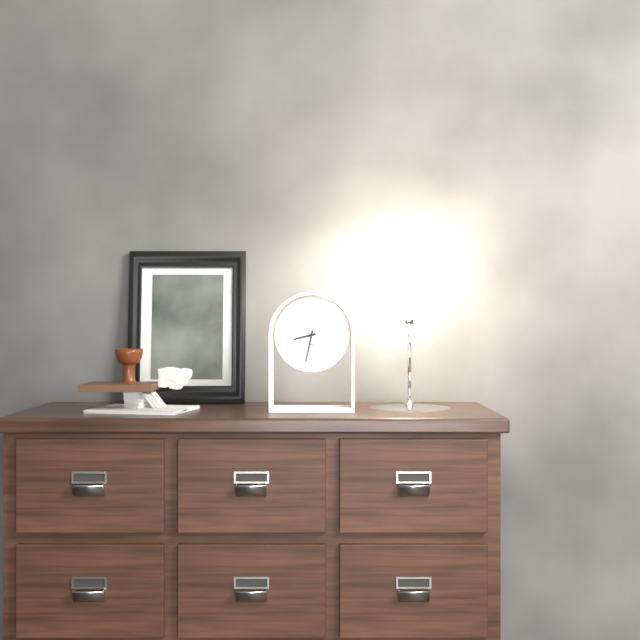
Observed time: 8:32
